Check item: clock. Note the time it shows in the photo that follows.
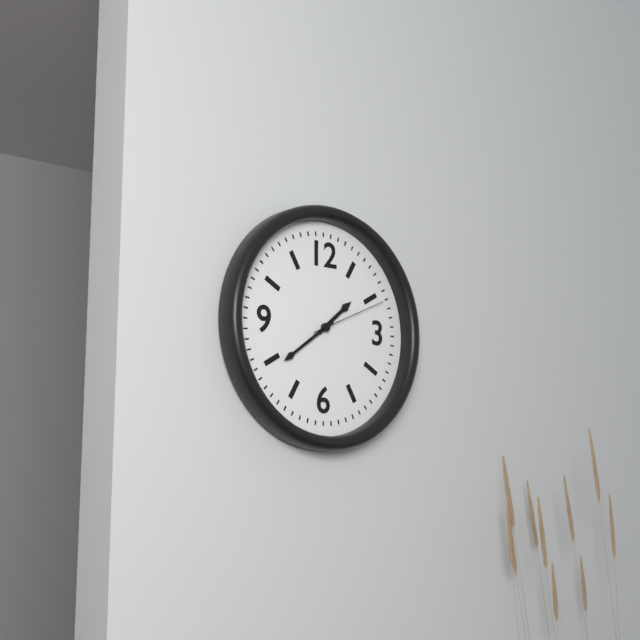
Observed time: 1:39:11
